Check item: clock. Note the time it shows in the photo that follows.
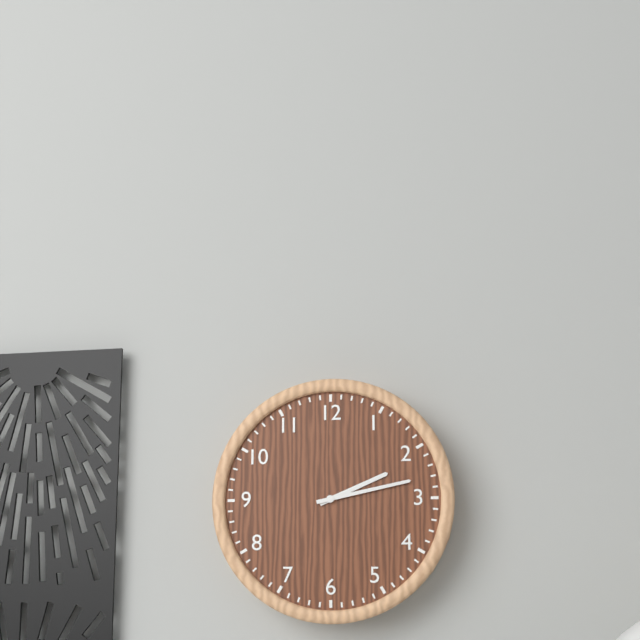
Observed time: 2:13
